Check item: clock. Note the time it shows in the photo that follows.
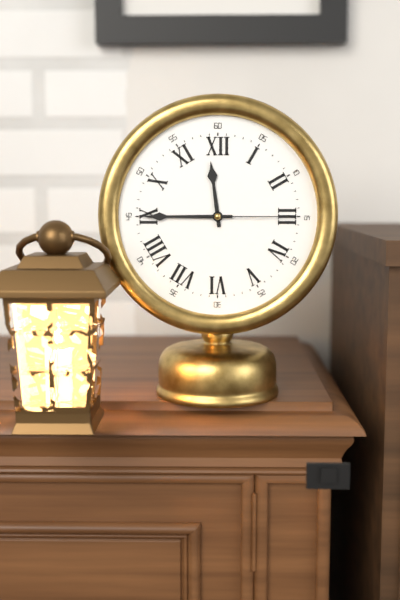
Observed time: 11:45:15
